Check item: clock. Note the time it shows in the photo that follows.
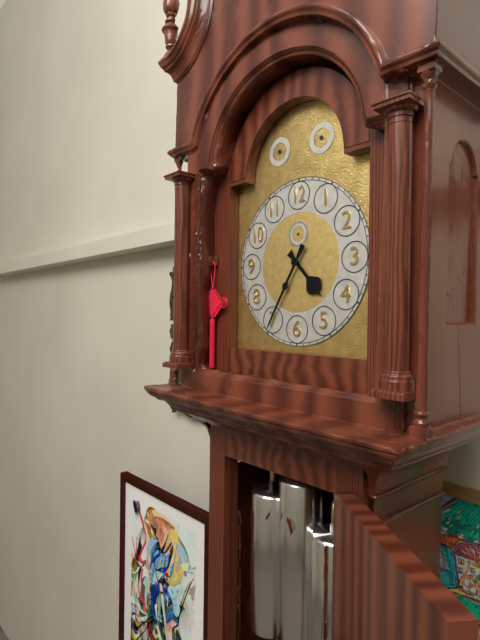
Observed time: 4:35
